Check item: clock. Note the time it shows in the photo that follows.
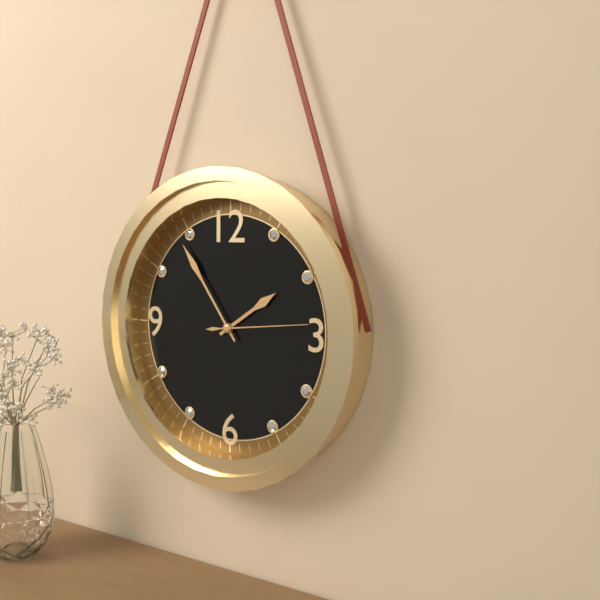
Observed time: 1:54:14
